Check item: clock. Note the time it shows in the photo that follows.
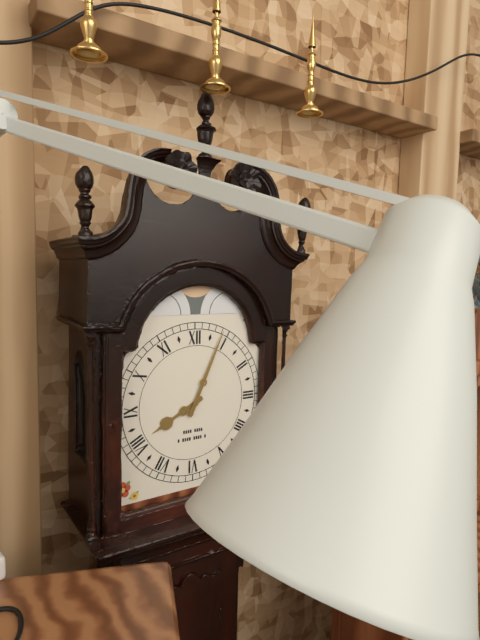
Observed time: 8:04
